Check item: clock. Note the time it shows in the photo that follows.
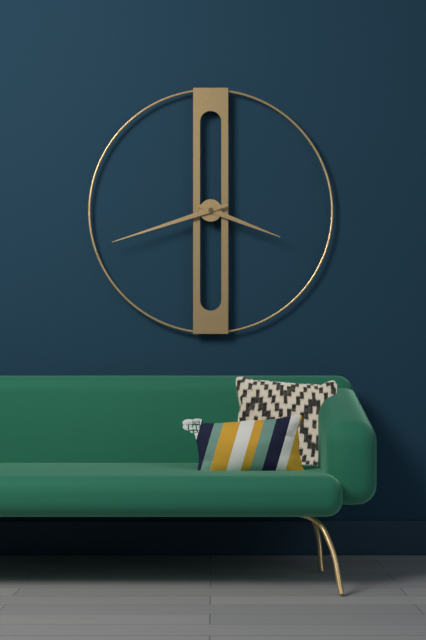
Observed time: 3:42
